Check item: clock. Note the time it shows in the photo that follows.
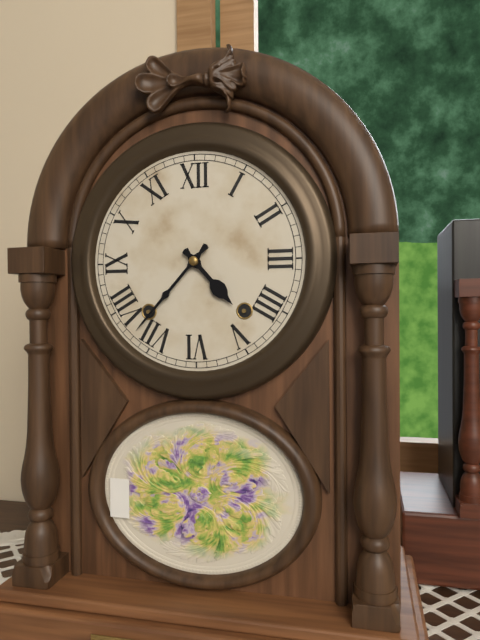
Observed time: 4:37
